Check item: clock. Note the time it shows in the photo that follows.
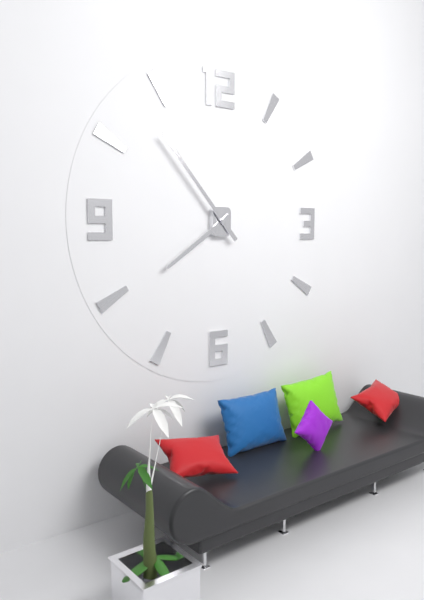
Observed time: 7:53
